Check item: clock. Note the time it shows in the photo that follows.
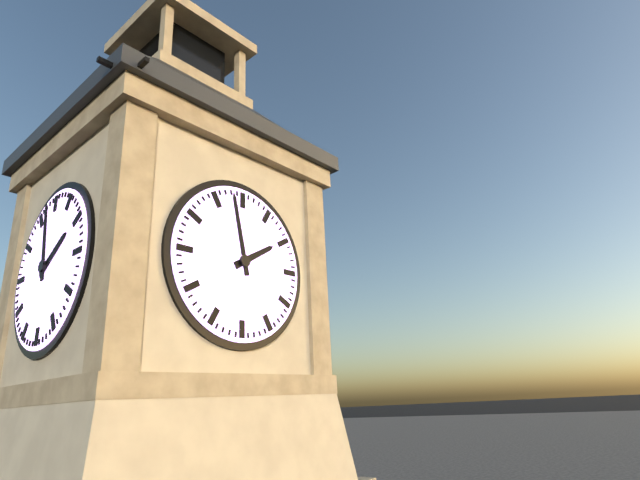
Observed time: 1:58
